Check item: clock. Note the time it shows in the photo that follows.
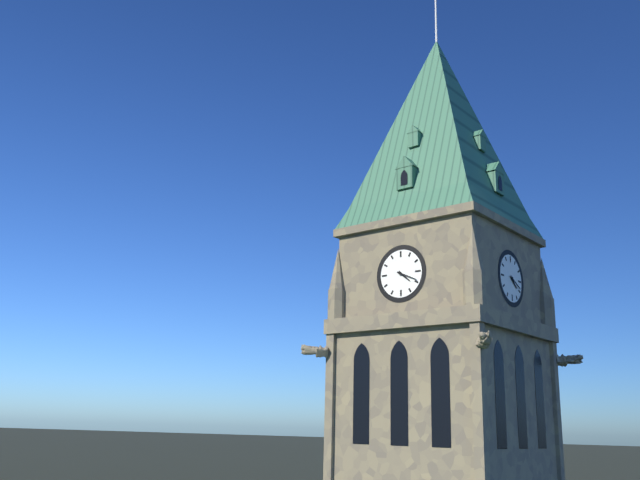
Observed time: 4:19
